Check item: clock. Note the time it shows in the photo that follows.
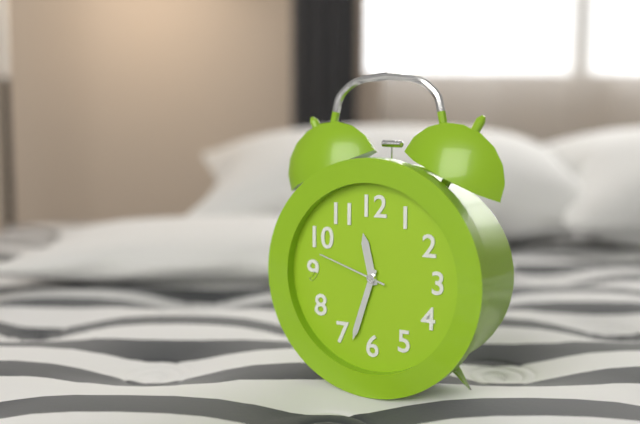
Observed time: 11:33:48
